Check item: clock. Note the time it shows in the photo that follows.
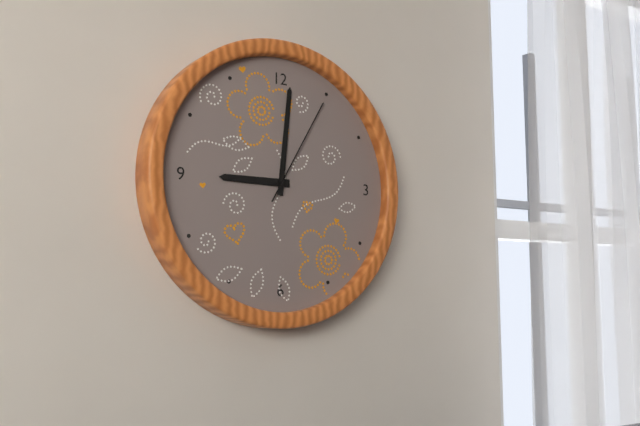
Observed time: 9:01:05
